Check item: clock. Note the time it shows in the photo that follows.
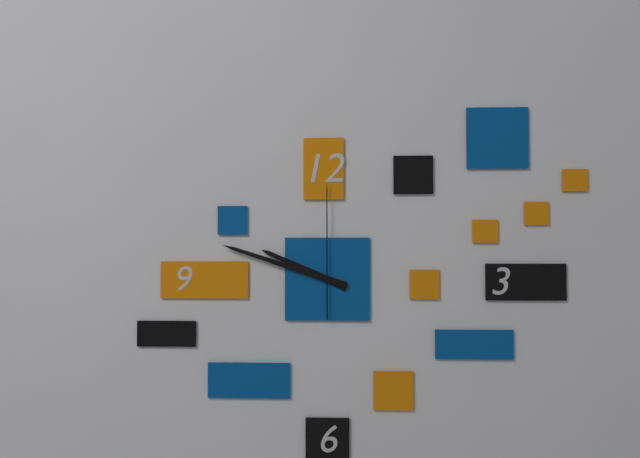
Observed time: 9:48:00
